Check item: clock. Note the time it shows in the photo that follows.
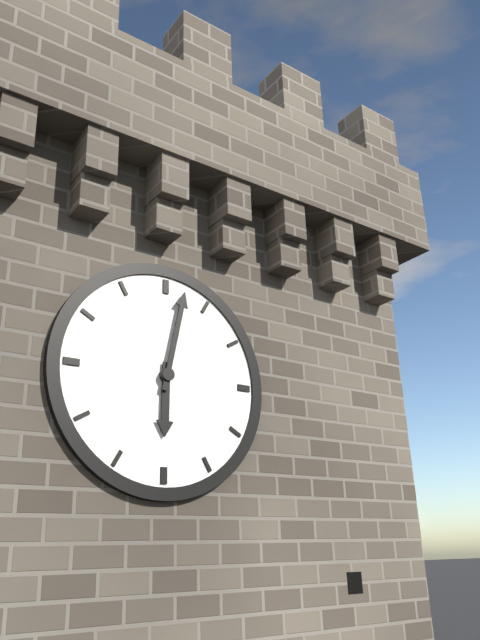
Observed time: 6:02
